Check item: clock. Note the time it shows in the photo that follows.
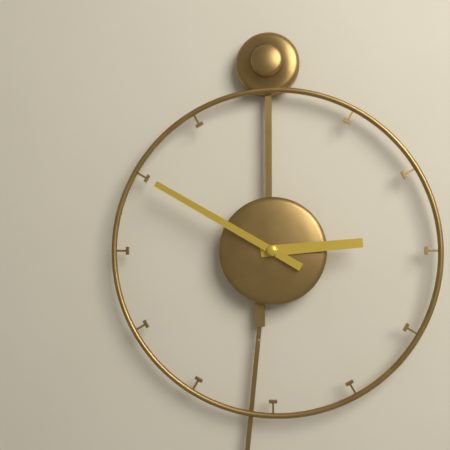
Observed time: 2:50
